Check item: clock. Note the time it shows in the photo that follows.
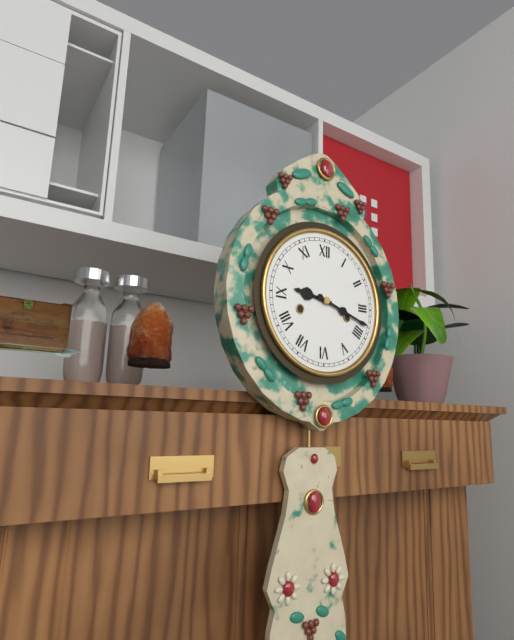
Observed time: 9:18
